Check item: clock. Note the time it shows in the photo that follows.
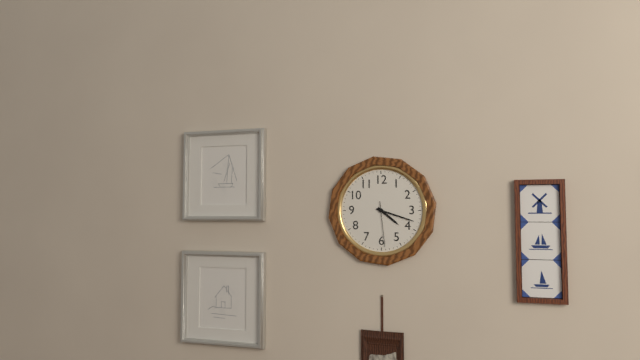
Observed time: 4:18
